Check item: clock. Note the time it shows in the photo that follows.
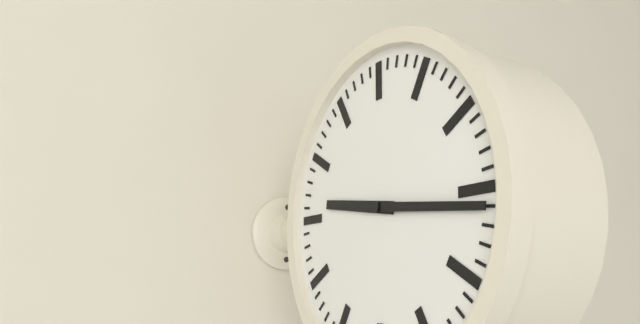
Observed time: 9:16
